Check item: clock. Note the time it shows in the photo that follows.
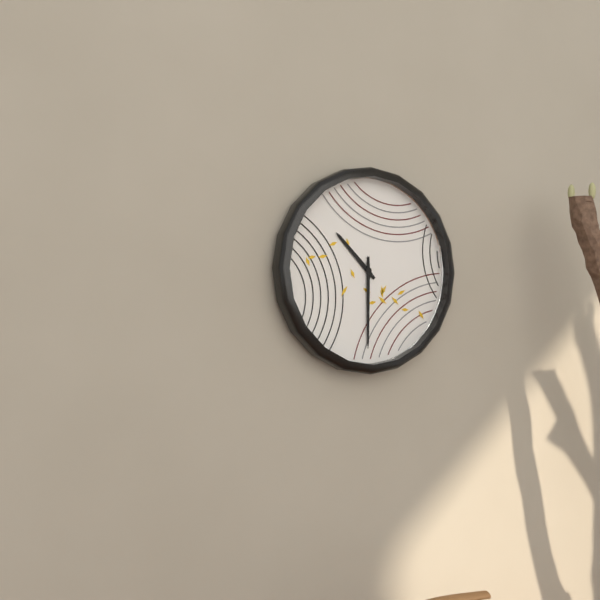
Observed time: 10:30
